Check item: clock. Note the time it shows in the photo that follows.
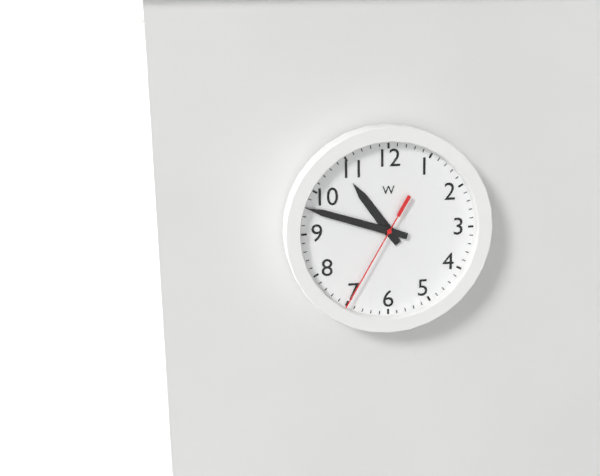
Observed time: 10:48:35
